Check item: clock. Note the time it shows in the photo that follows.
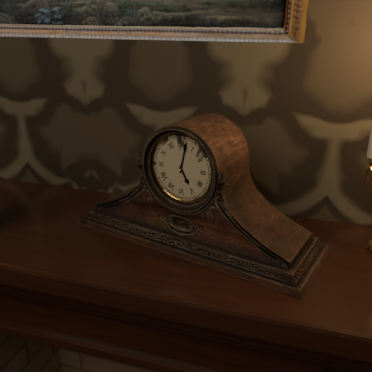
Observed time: 5:02
